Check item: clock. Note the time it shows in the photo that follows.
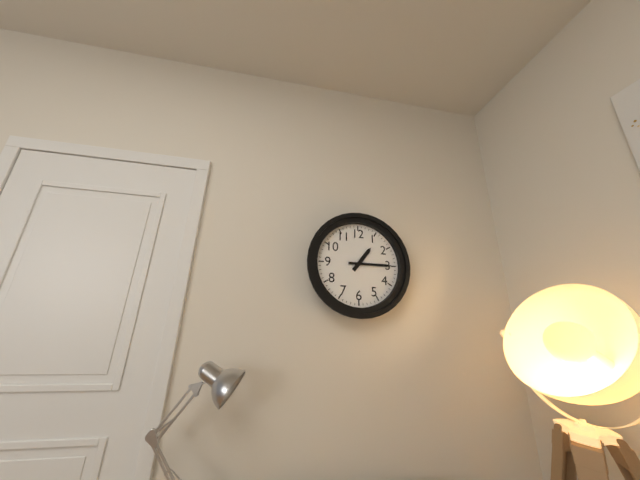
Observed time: 1:15
